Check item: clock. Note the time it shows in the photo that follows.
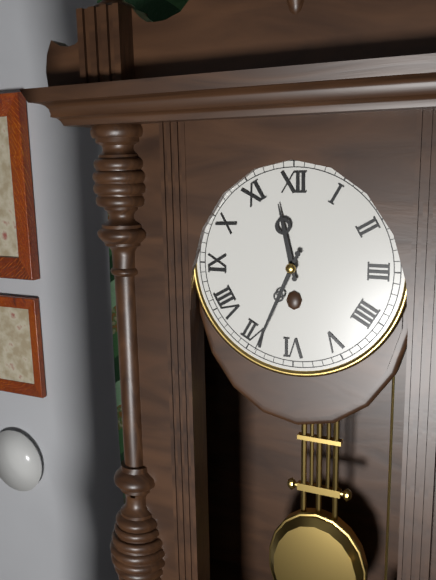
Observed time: 11:34
